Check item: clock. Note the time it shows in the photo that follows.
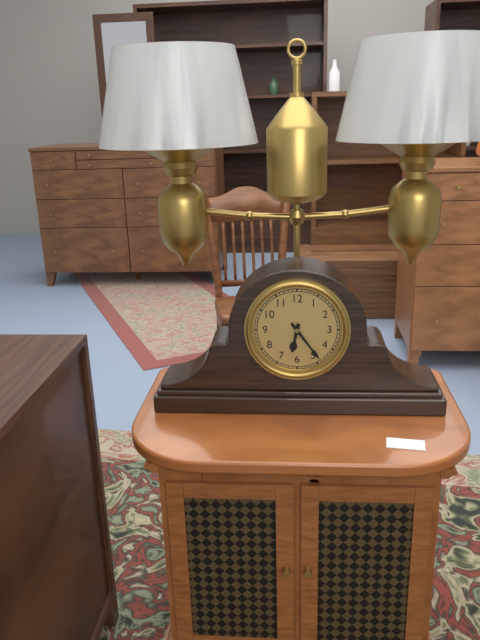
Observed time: 6:24
